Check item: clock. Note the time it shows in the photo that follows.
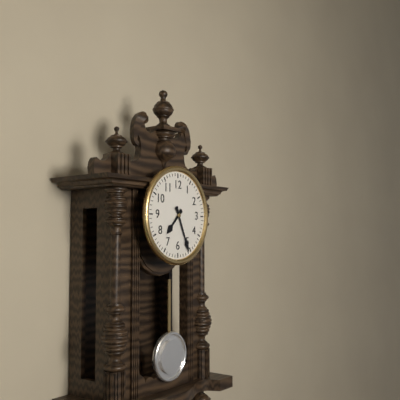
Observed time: 7:26
